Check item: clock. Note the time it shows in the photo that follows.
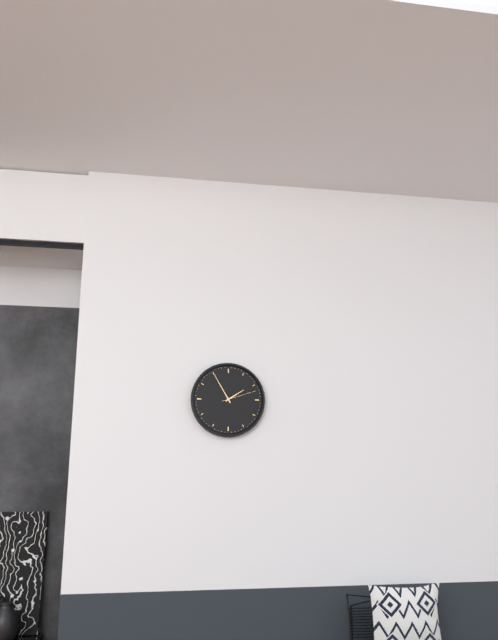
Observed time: 1:55
